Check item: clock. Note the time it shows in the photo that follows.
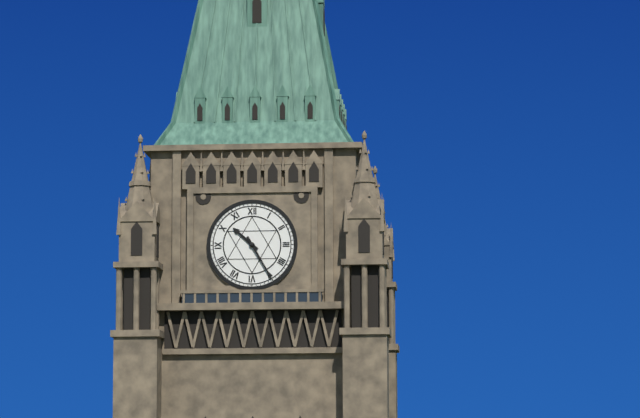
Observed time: 10:25
